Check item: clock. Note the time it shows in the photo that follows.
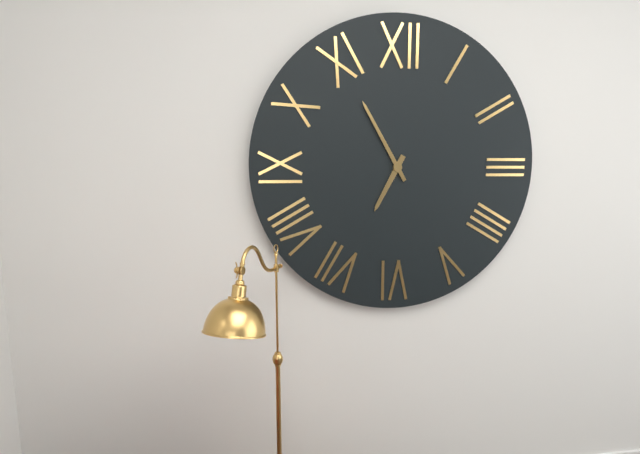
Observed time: 6:55
